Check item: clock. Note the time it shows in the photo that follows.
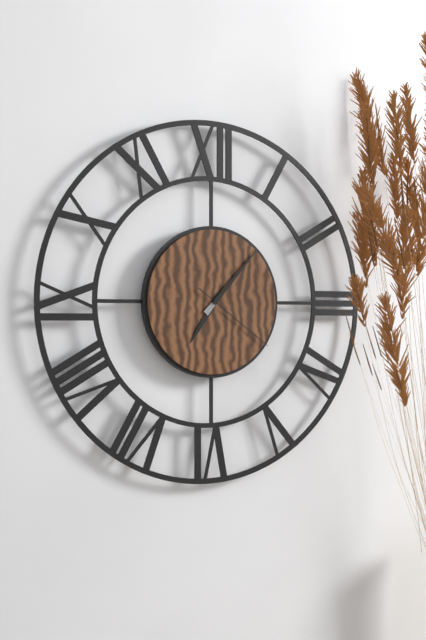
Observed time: 7:07:21
